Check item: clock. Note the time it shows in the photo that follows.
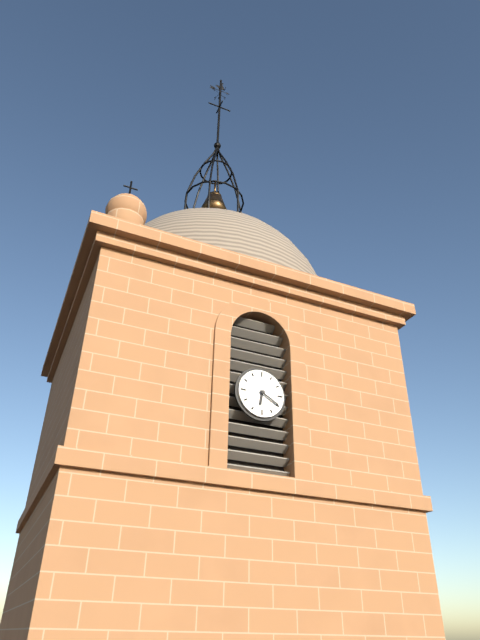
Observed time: 6:20
